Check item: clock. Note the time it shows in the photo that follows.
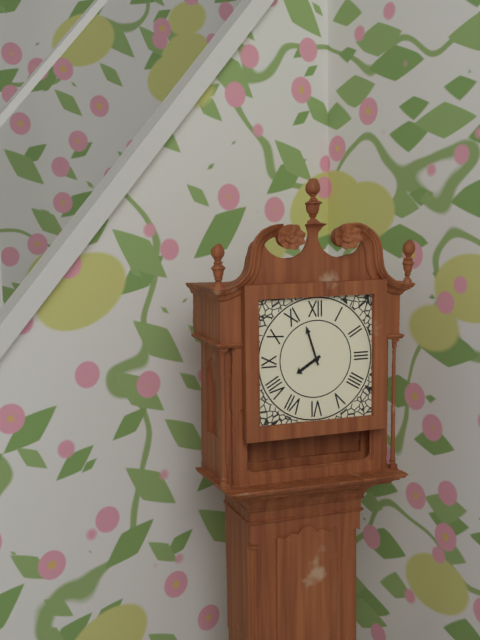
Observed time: 7:57
